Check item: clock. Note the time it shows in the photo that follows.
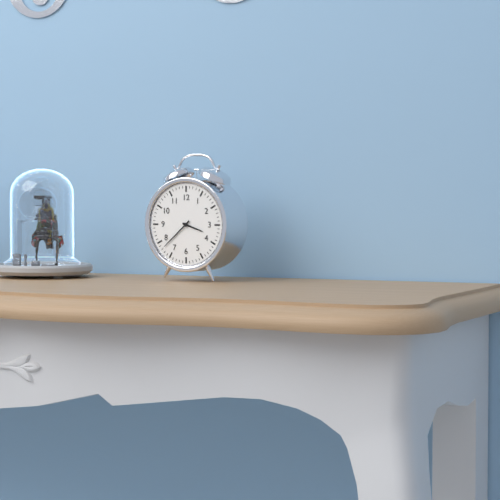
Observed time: 3:38
